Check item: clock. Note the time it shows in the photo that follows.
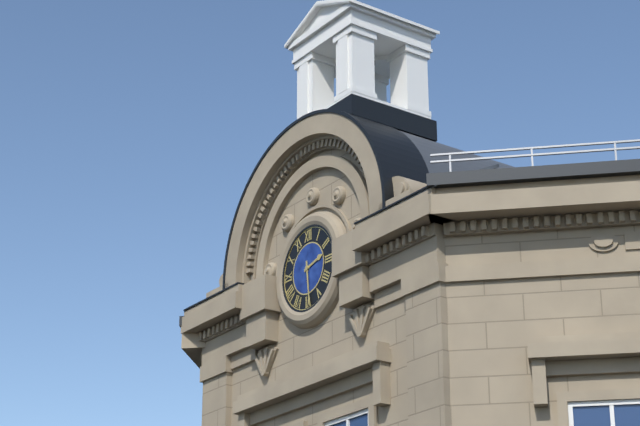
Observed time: 2:29
